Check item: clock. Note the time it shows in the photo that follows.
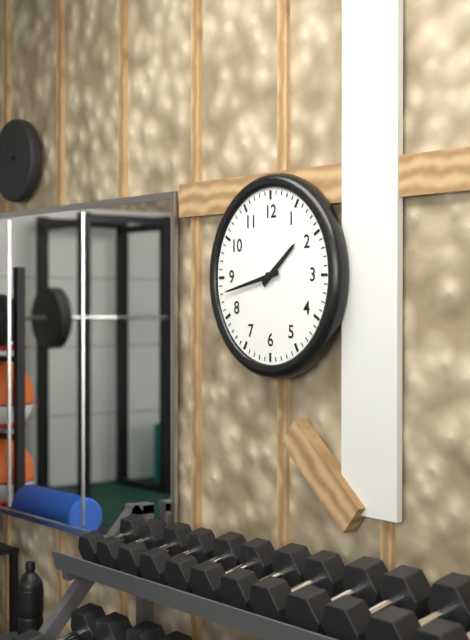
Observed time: 1:43
